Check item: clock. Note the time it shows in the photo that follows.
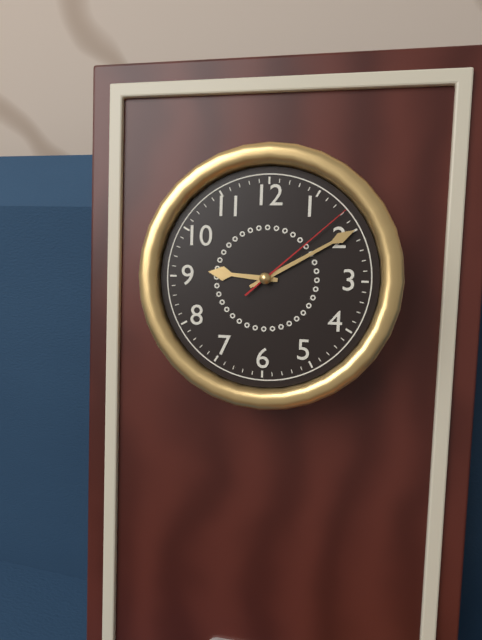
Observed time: 9:10:08
